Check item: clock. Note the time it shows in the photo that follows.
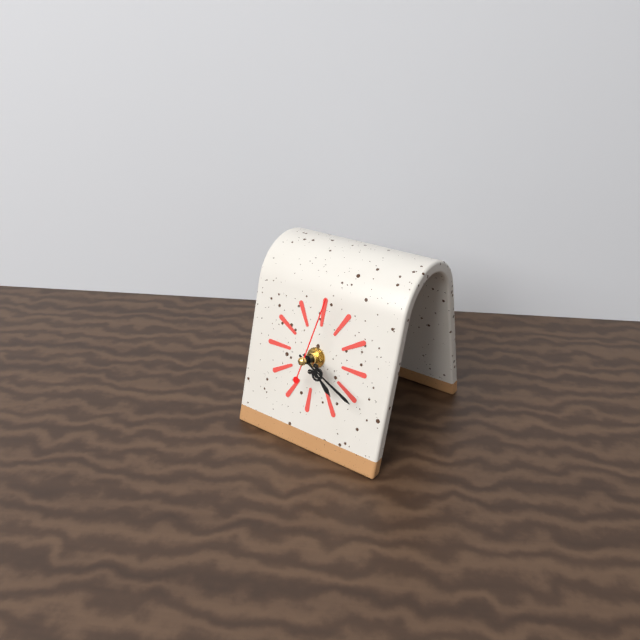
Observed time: 4:19:02
